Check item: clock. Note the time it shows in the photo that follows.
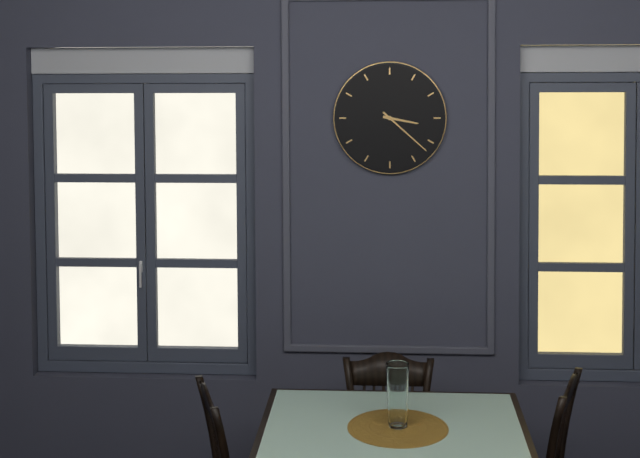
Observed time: 3:22
